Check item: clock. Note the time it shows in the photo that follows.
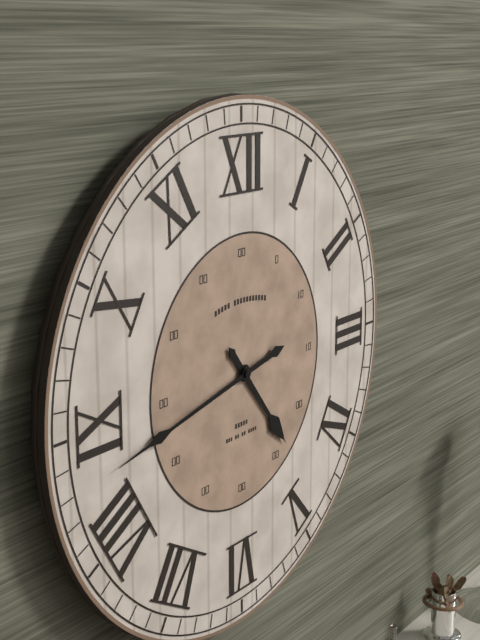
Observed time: 4:43
